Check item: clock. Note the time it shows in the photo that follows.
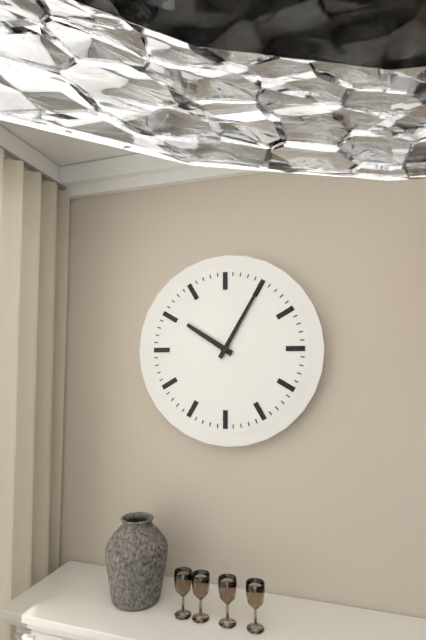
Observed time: 10:05
